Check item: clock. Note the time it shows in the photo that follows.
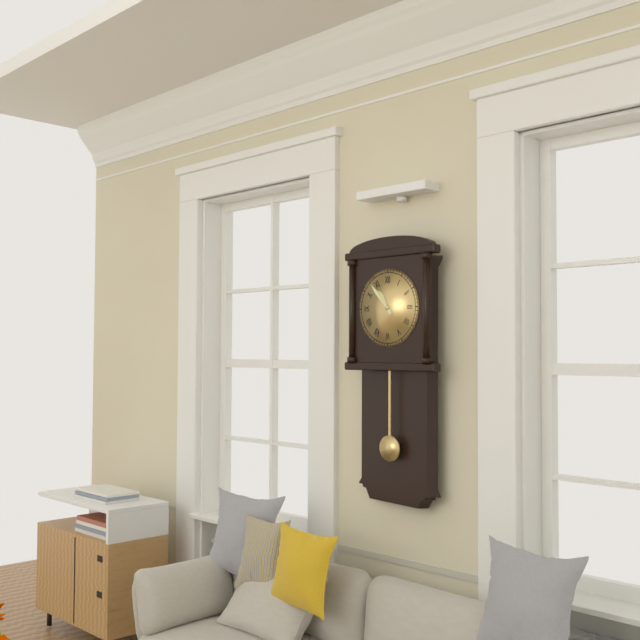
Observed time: 10:53
